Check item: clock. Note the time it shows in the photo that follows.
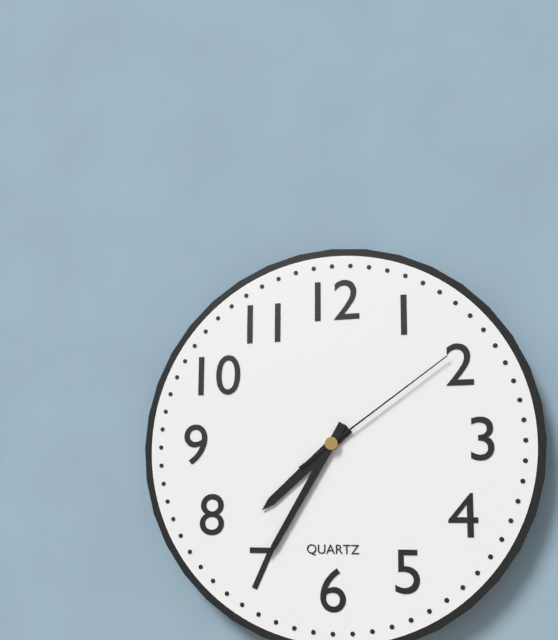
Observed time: 7:35:09
